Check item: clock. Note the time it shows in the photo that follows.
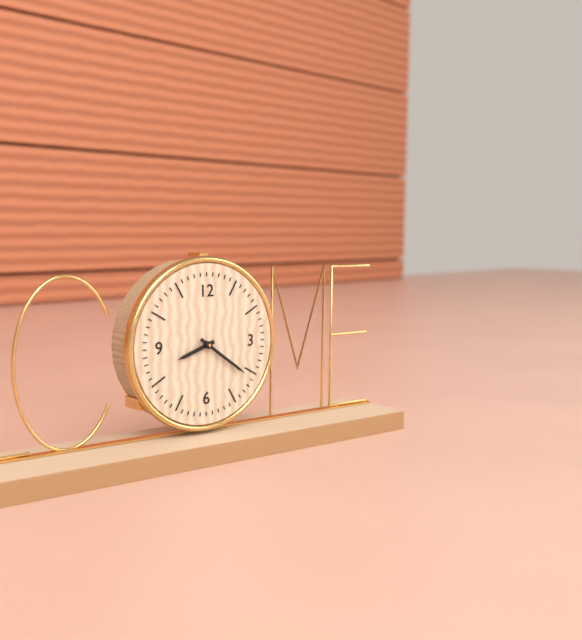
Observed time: 8:21
